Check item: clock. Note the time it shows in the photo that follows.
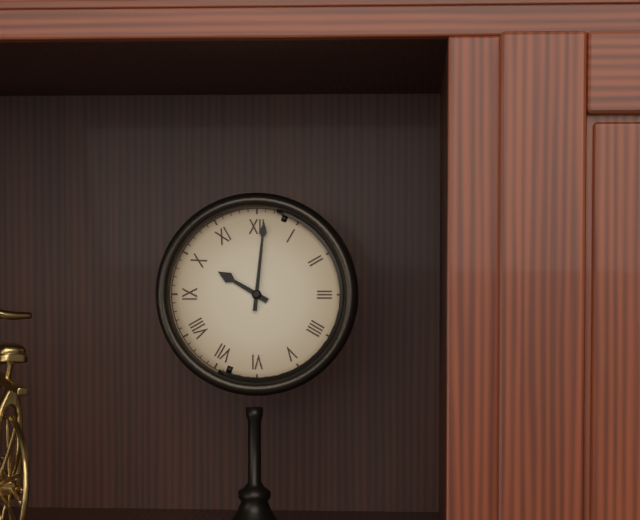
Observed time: 10:01
